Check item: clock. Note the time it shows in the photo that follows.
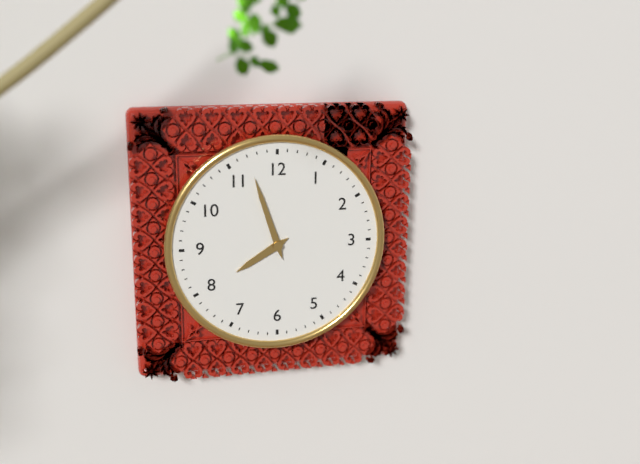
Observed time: 7:57
